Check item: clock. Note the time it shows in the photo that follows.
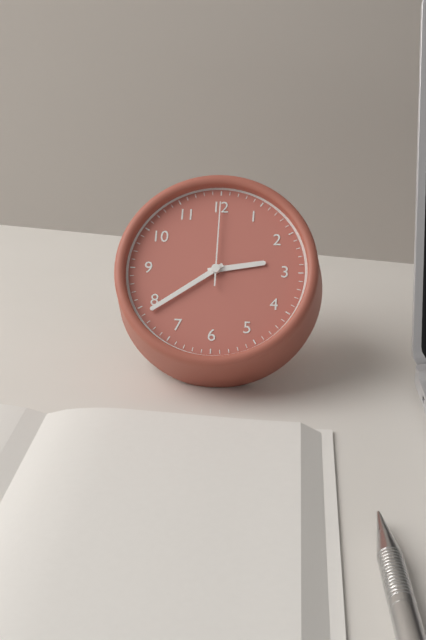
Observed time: 2:39:00
